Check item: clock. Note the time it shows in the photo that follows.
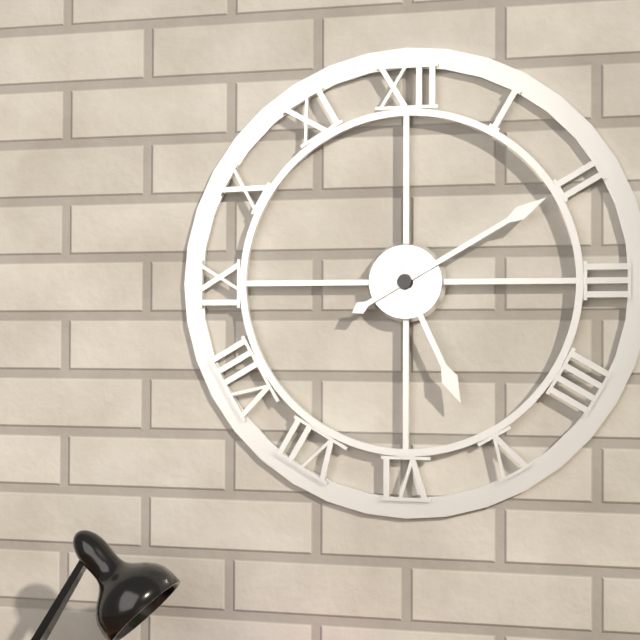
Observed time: 5:10
